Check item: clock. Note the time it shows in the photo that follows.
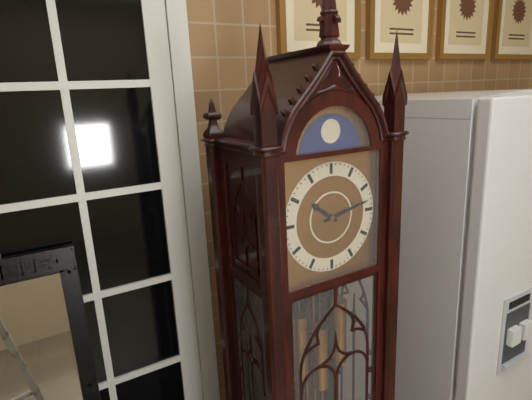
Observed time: 10:13
